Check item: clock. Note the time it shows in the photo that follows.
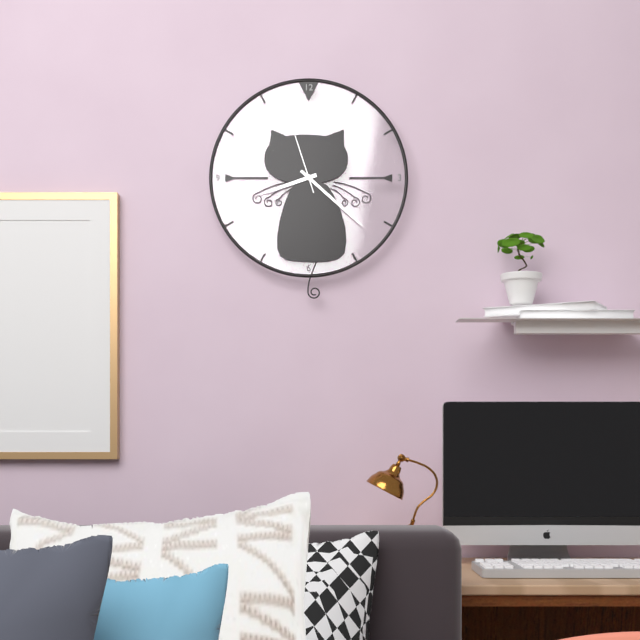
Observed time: 8:22:57
